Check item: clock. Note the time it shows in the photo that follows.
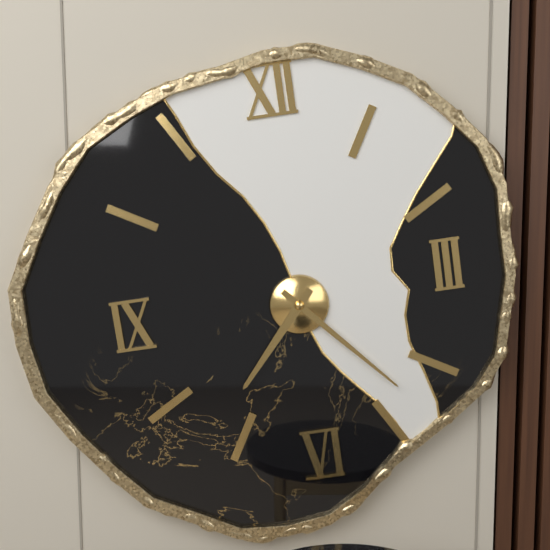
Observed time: 7:23
